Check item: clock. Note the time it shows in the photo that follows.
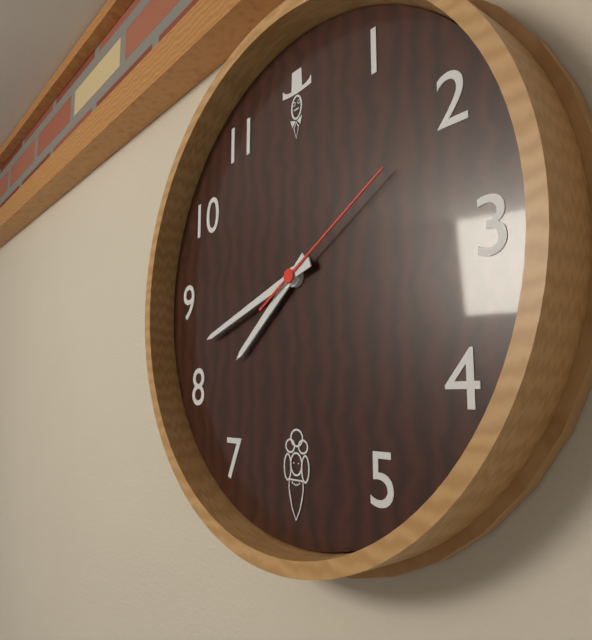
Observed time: 7:42:10
